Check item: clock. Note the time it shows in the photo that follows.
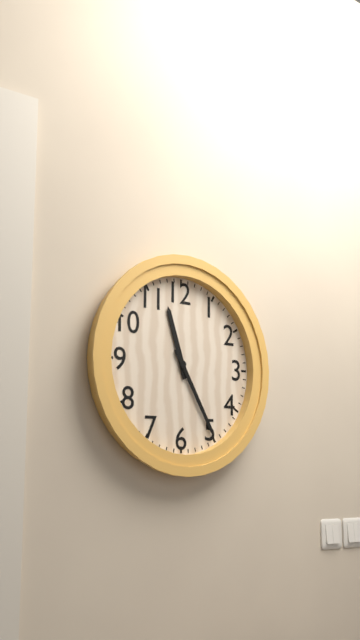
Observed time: 11:25
